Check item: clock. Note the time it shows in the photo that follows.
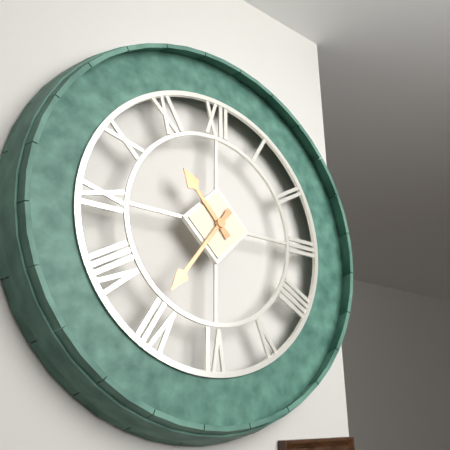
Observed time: 10:36
